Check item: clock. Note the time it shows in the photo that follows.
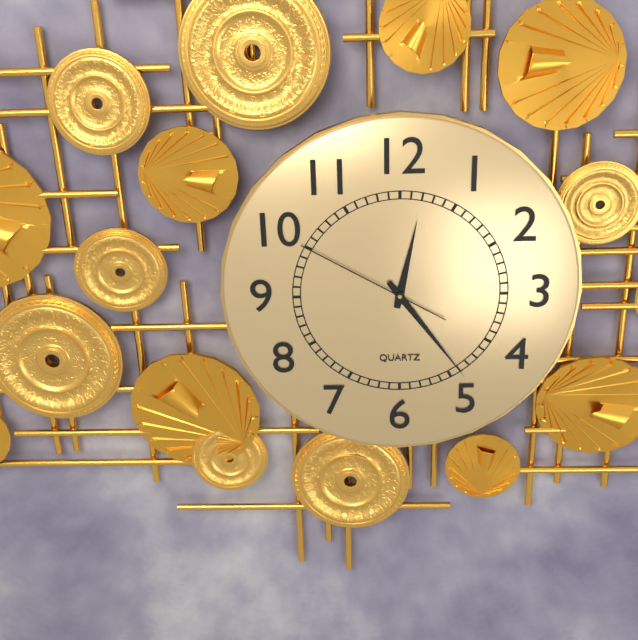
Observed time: 12:24:50
